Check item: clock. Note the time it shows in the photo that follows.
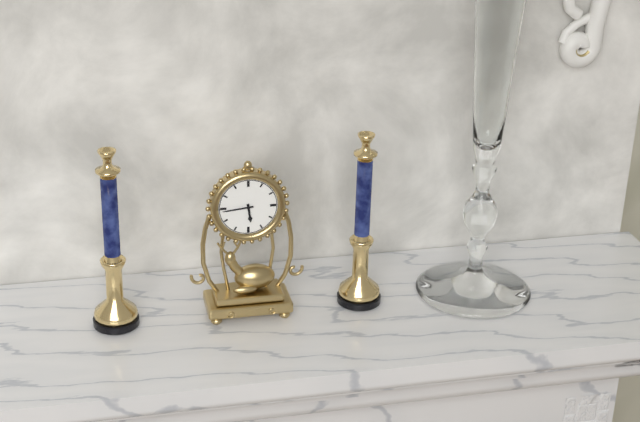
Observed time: 5:44
